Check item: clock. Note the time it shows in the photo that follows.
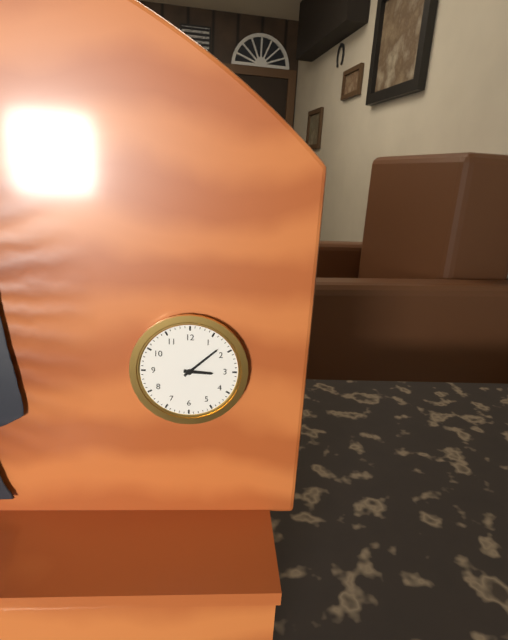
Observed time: 3:08
